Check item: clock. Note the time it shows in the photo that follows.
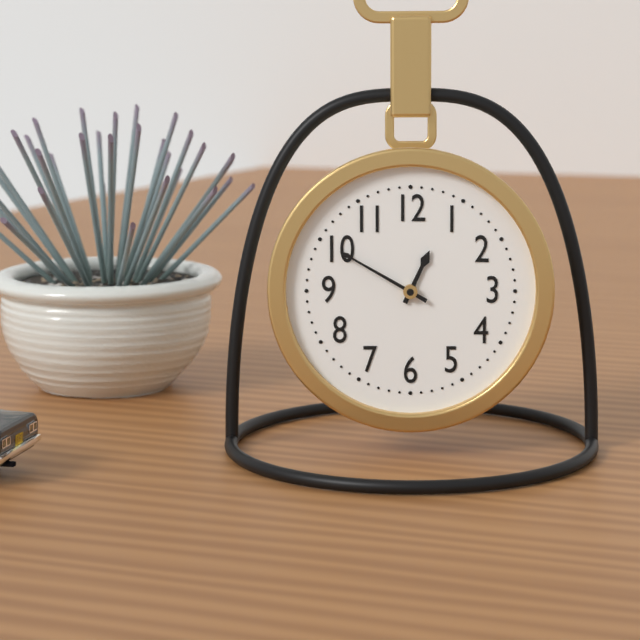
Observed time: 12:50
